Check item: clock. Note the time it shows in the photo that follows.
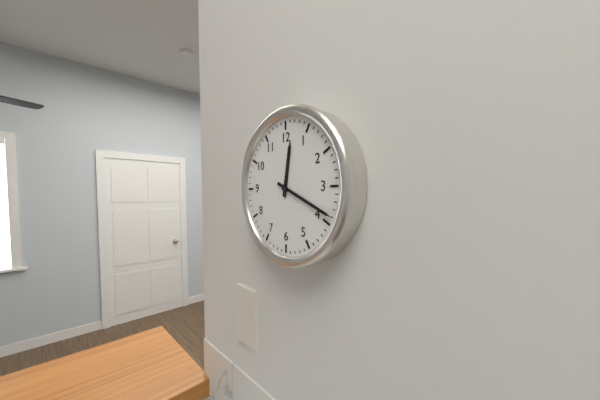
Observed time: 12:19
